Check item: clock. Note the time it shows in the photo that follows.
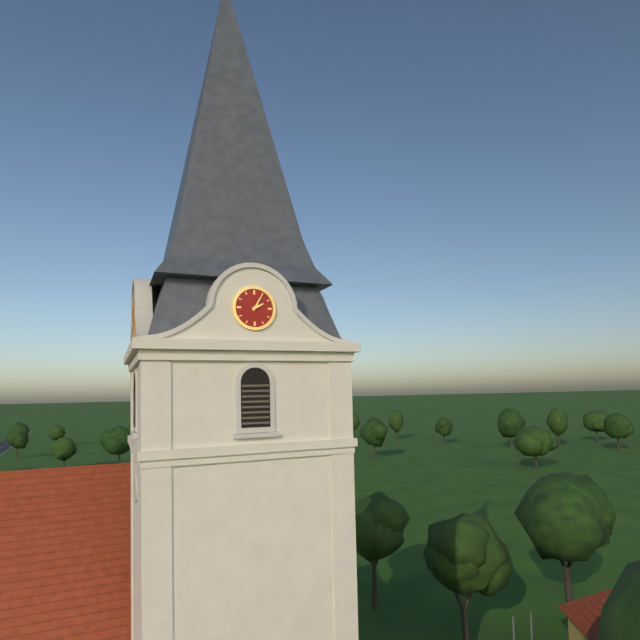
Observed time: 2:05
